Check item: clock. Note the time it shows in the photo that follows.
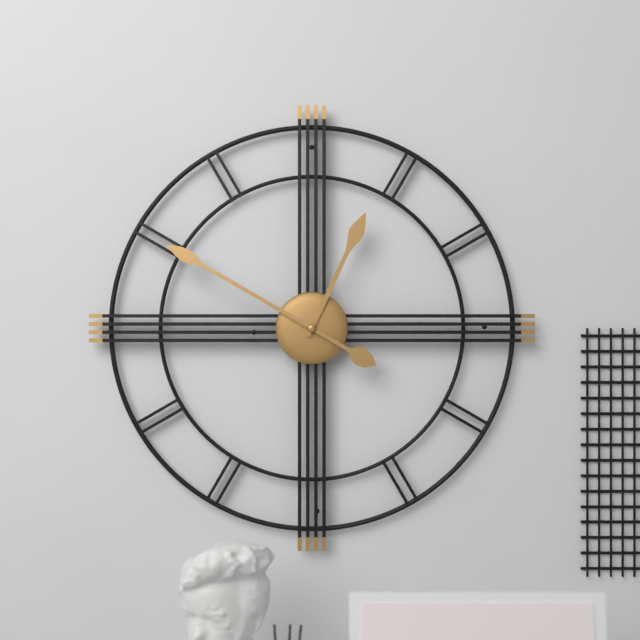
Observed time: 12:50
